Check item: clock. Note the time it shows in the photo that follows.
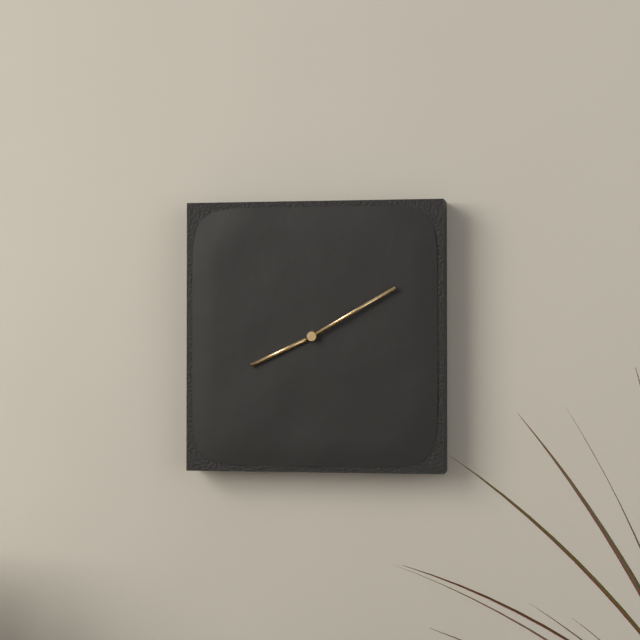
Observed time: 8:10
